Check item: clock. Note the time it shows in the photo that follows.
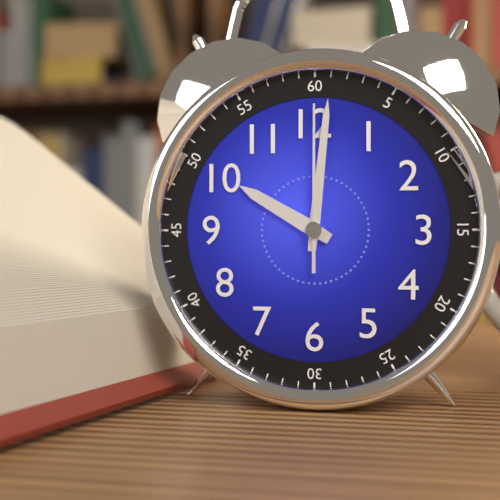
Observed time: 10:01:00
